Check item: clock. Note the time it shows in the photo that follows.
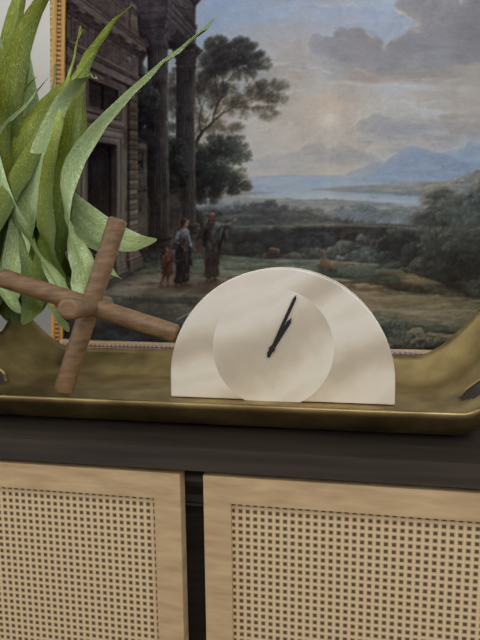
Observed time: 1:04
